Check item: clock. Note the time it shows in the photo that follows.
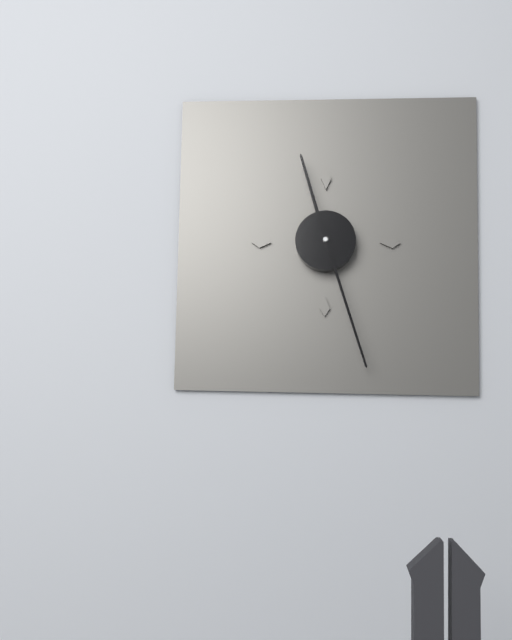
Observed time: 11:27
